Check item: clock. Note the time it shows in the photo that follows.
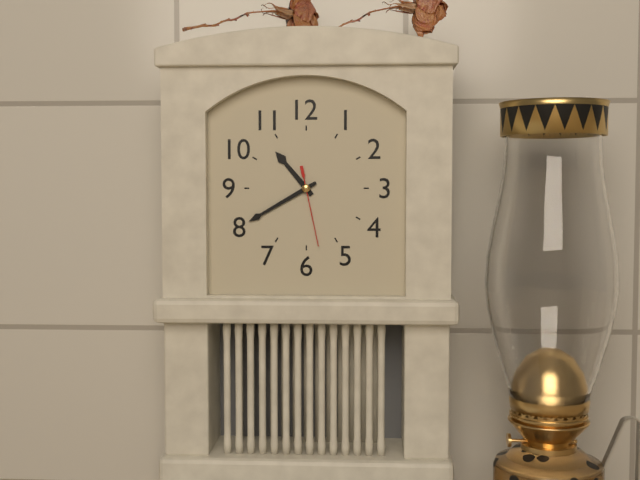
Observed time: 10:40:28
